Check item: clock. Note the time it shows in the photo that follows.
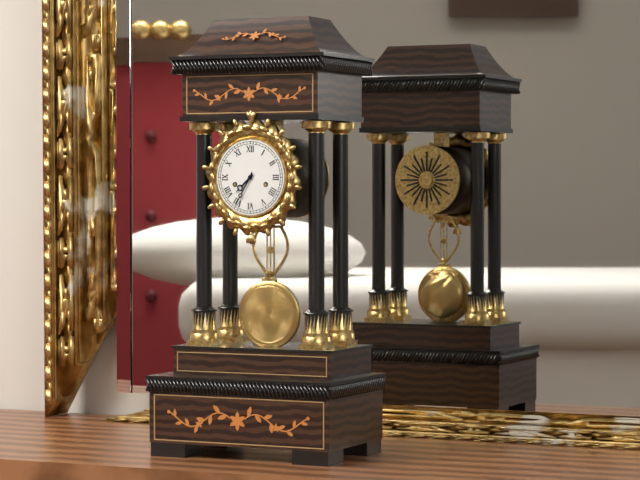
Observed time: 7:35
